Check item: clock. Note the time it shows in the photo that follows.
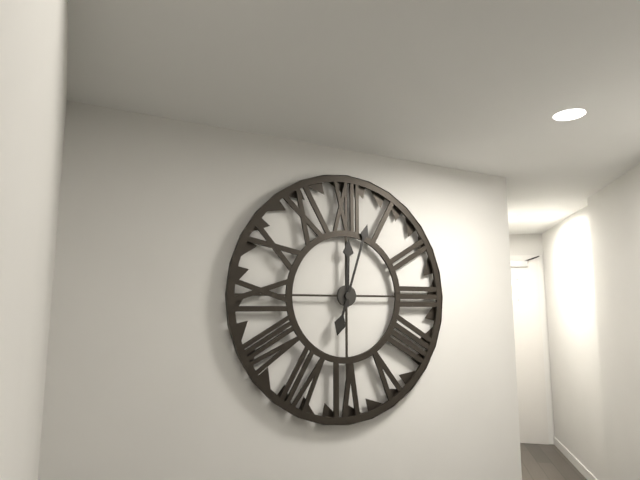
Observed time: 12:03
